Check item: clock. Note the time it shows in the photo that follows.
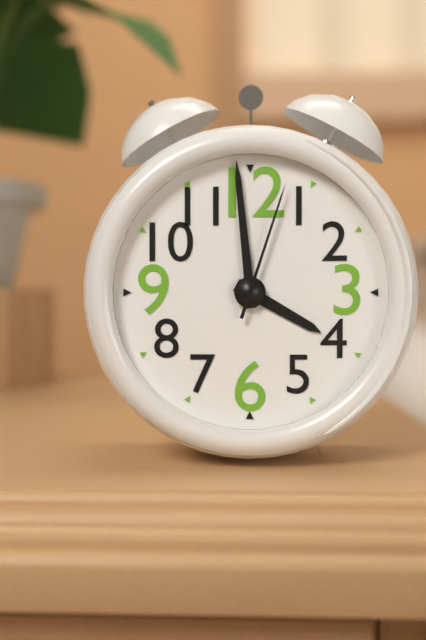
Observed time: 3:59:03
